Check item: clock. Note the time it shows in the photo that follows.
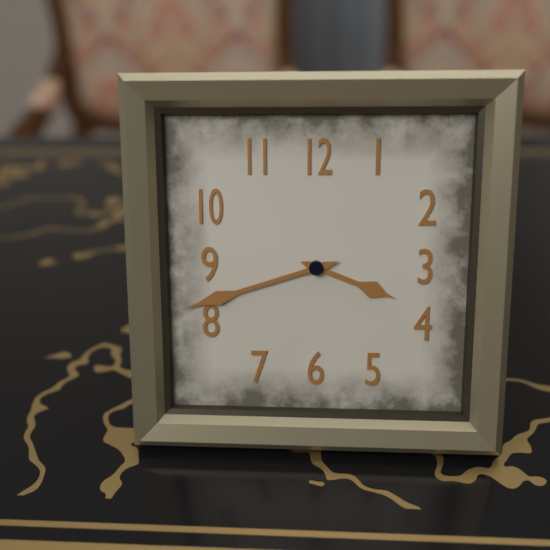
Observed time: 3:42
